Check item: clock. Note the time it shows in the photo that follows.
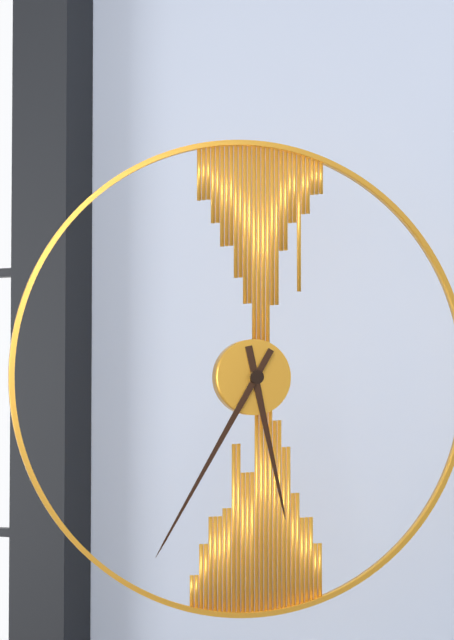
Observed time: 5:35
